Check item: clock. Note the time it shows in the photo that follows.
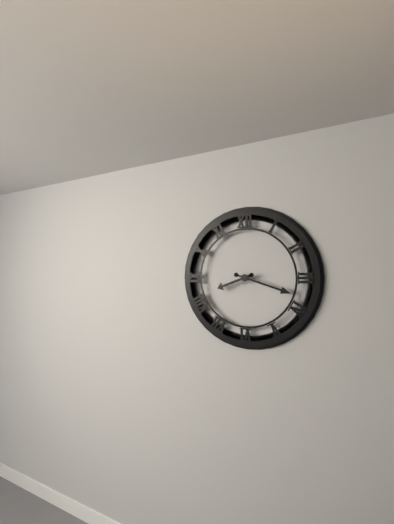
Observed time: 8:18
